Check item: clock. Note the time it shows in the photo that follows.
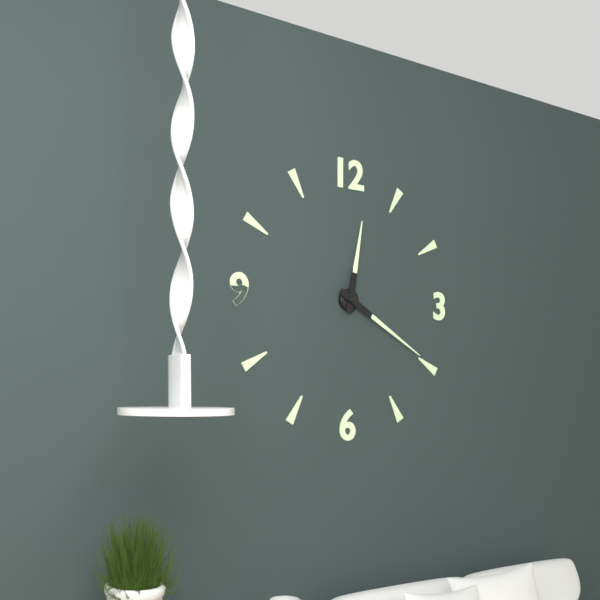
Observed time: 12:20
